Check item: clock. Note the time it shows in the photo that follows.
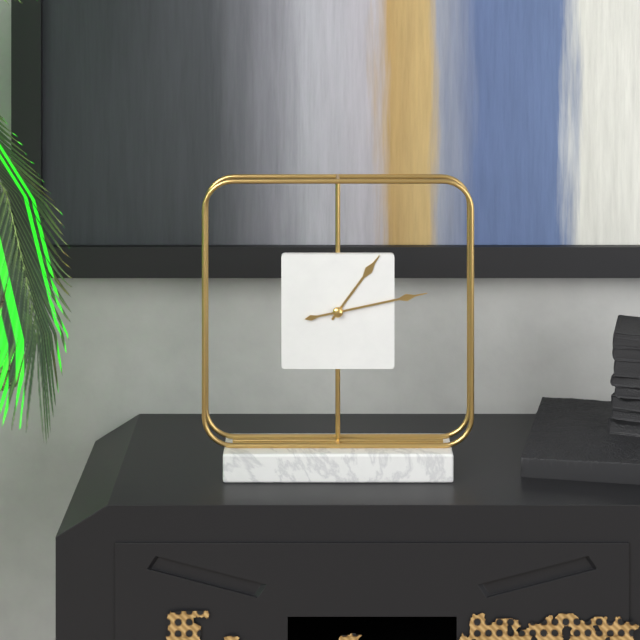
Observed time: 1:13
